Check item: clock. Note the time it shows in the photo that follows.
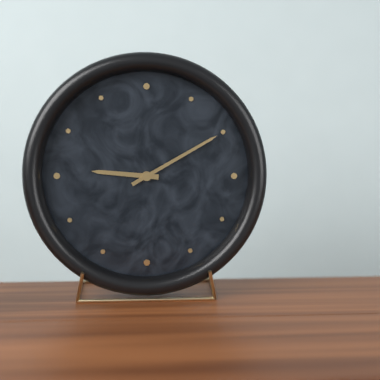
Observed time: 9:10
